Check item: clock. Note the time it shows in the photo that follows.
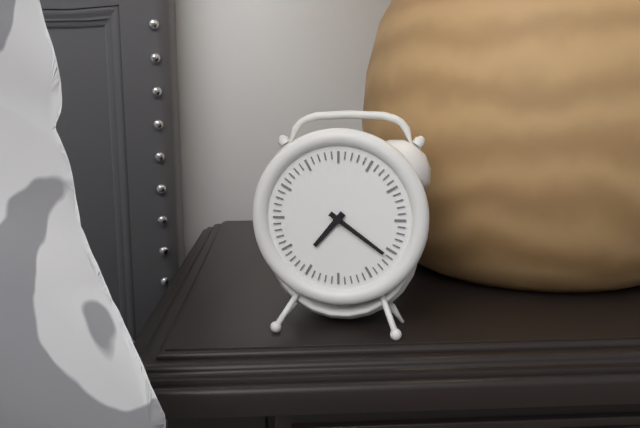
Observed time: 7:21
